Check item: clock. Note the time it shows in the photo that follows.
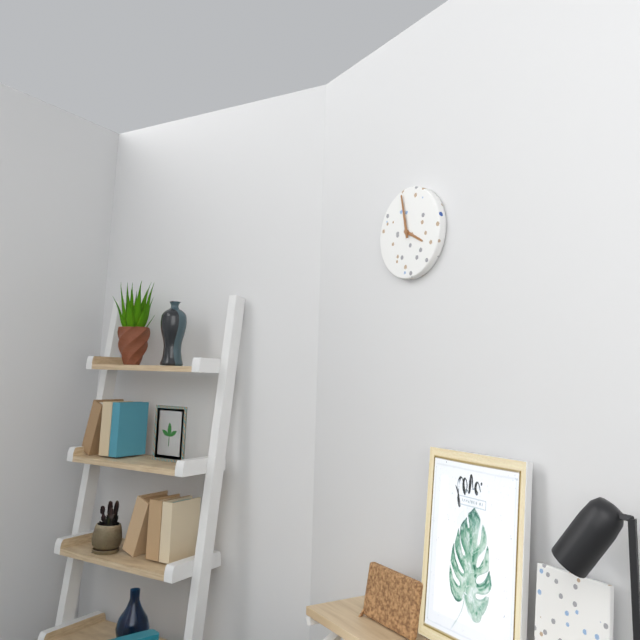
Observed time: 3:58
